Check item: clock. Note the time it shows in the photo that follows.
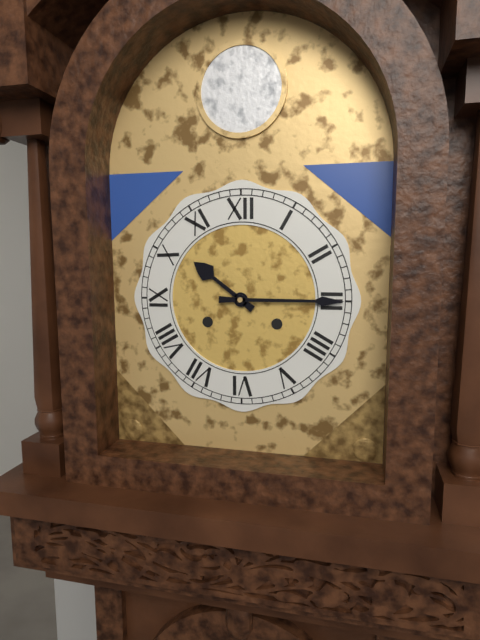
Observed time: 10:15
